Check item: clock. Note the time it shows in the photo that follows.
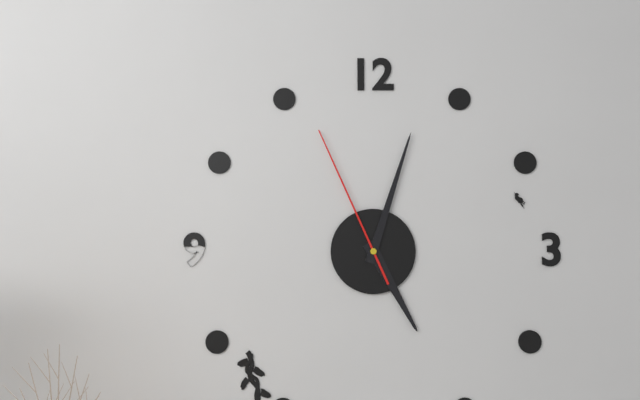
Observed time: 5:03:56
